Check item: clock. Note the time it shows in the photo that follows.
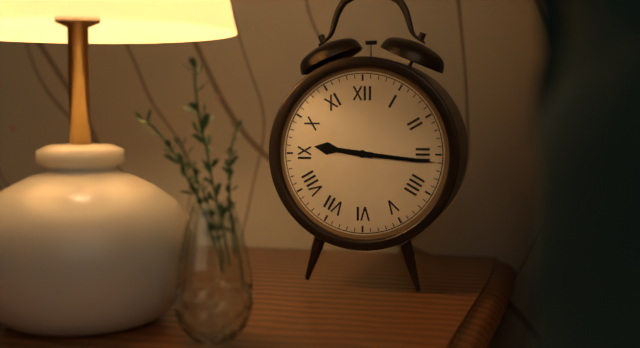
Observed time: 9:16
